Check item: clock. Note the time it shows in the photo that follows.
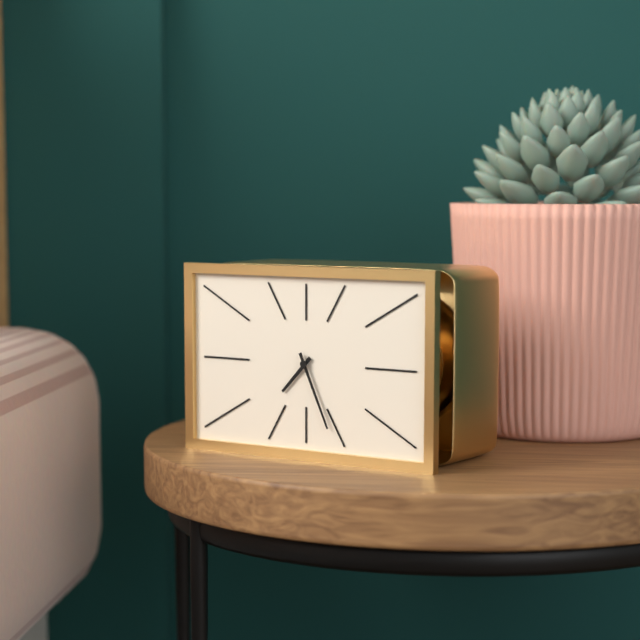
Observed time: 7:26
